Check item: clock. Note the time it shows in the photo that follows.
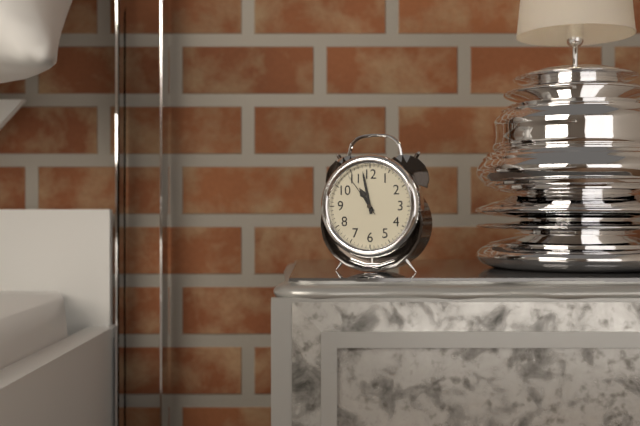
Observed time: 10:58
